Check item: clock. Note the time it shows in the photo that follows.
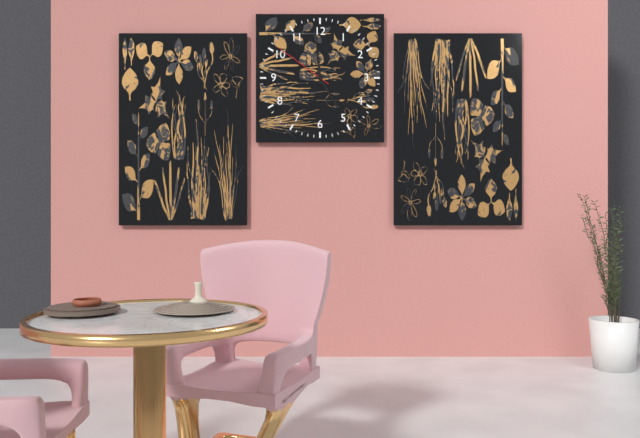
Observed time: 4:59:51
